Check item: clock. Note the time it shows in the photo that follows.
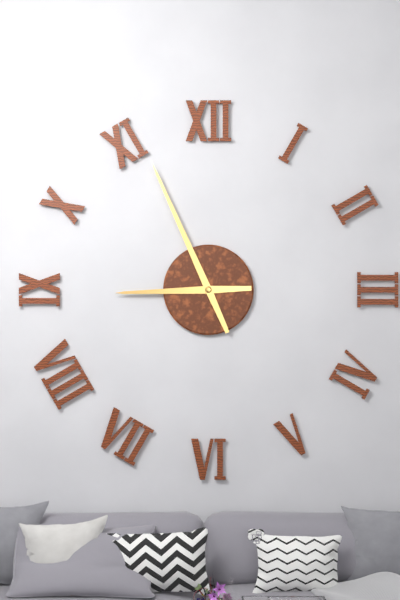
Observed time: 8:56
